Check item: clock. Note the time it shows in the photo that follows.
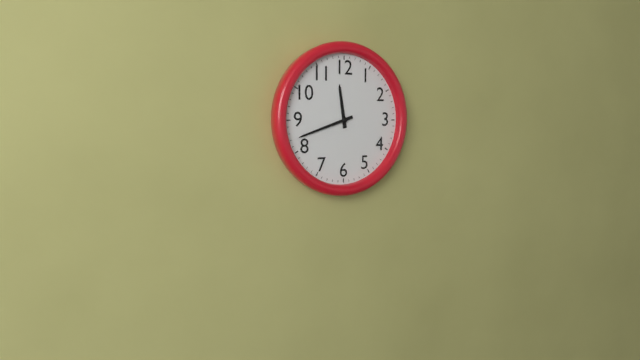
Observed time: 11:42
